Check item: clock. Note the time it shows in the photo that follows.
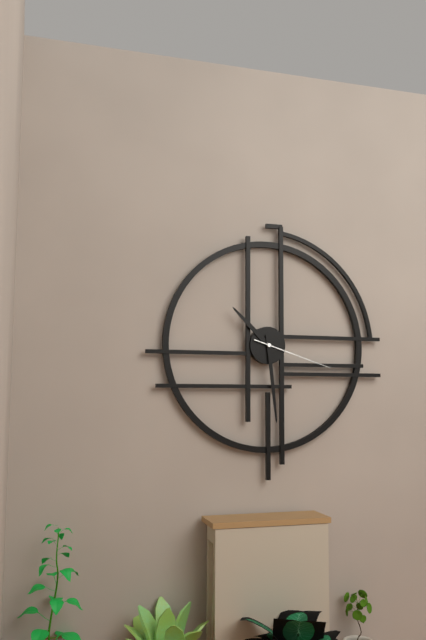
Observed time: 10:29:18
